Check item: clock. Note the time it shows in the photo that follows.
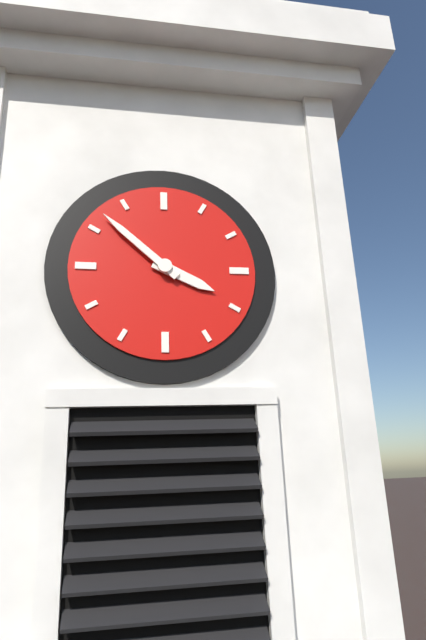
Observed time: 3:52
